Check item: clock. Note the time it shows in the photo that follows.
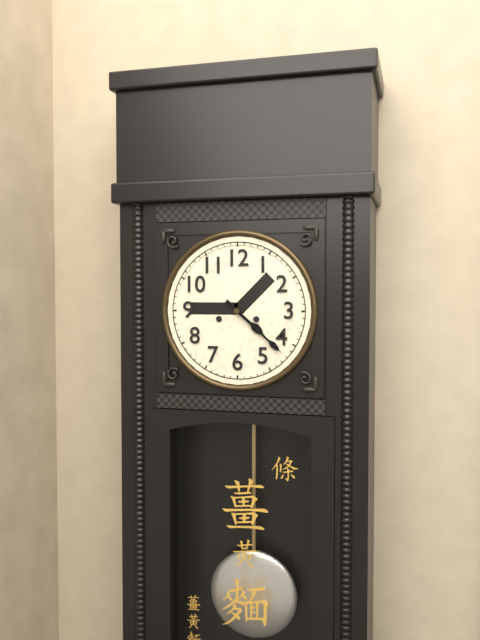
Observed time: 4:22
